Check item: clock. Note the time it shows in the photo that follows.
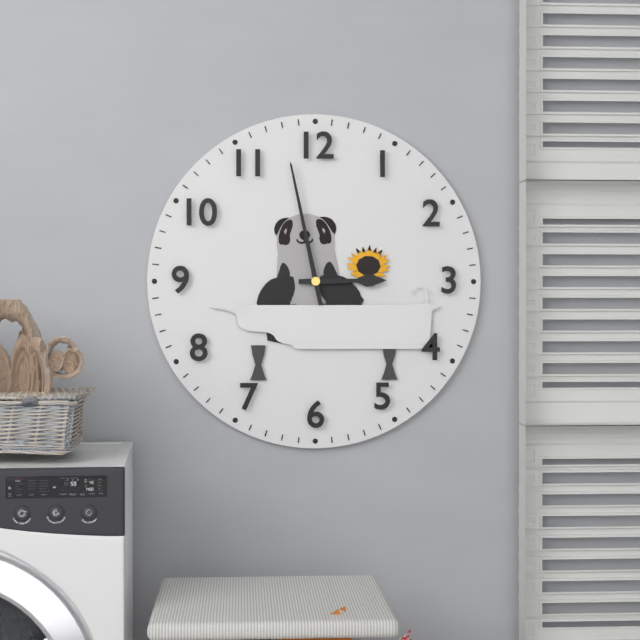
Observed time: 2:58
